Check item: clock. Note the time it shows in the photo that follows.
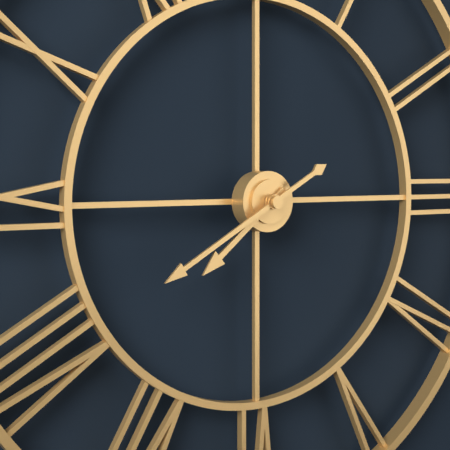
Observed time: 7:40
